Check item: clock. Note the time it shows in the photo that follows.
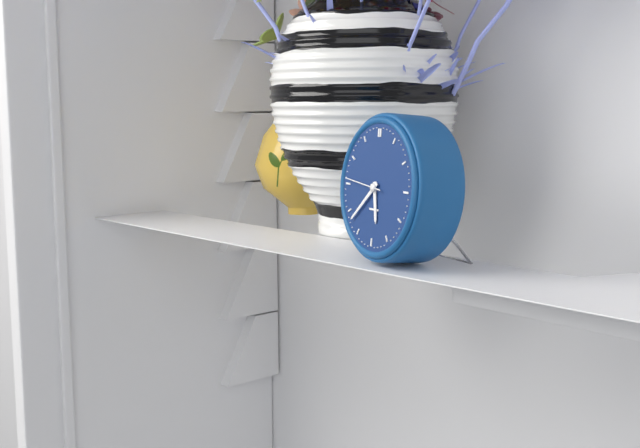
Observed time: 5:38
